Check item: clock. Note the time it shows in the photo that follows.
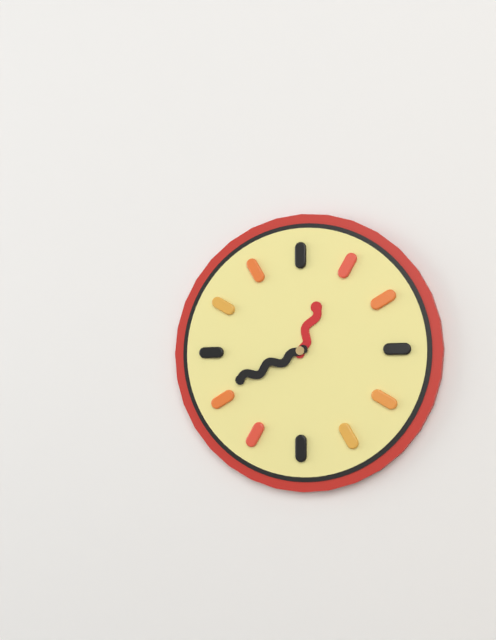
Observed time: 12:41
